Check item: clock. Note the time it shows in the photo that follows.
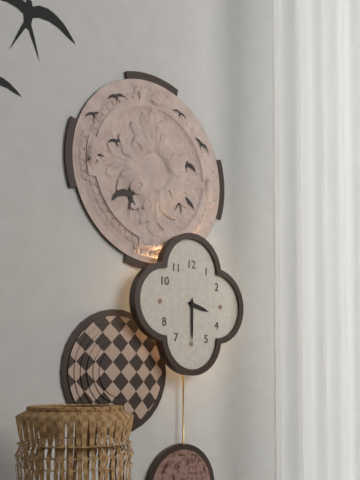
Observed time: 3:30
